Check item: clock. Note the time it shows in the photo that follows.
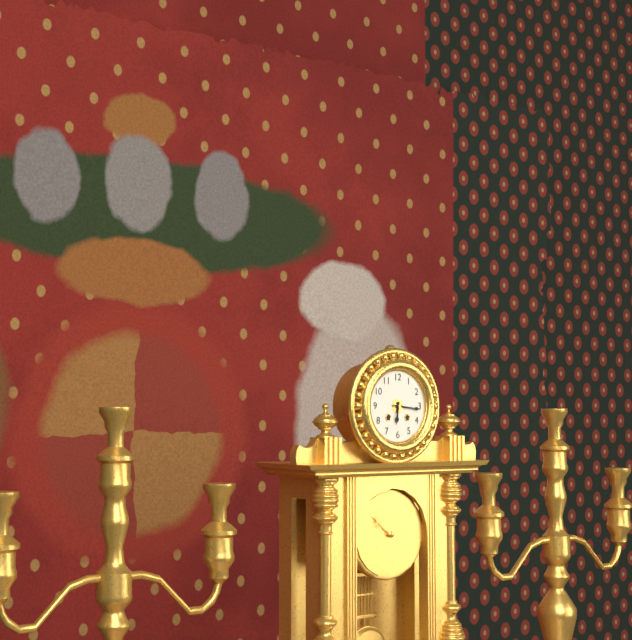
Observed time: 6:16
